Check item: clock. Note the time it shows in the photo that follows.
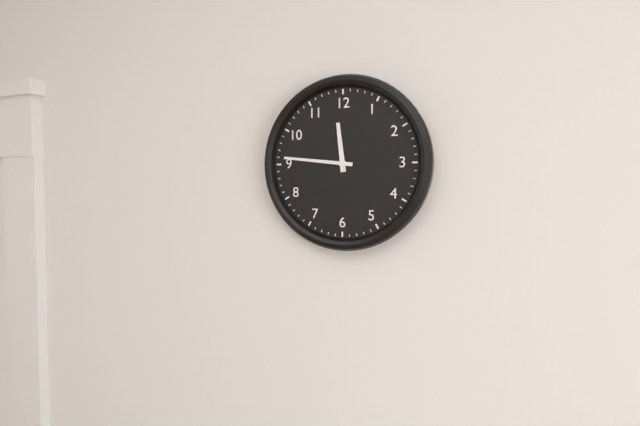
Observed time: 11:46
